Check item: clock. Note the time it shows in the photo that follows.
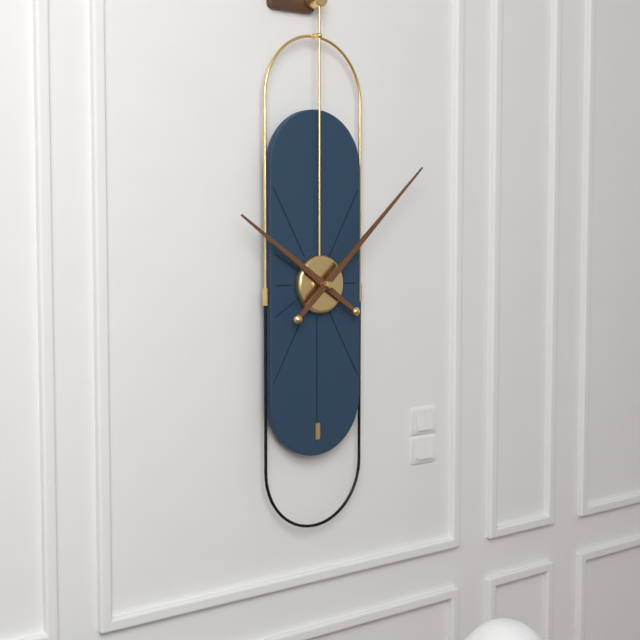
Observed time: 10:08
